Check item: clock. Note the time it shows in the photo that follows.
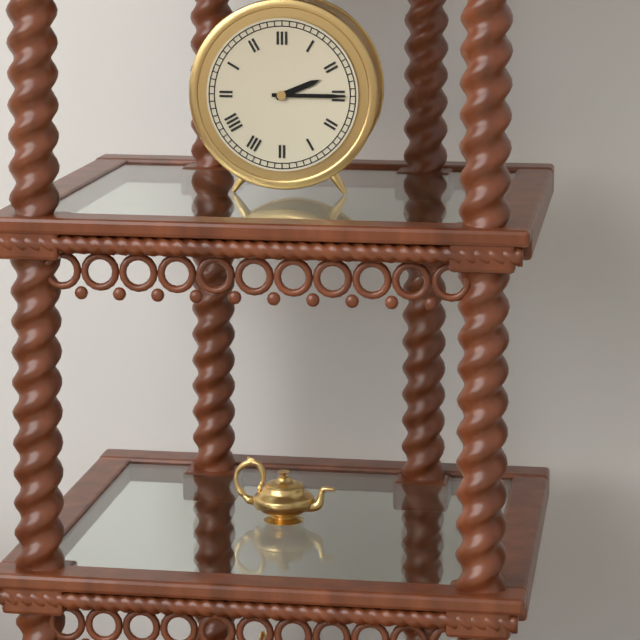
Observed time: 2:15
